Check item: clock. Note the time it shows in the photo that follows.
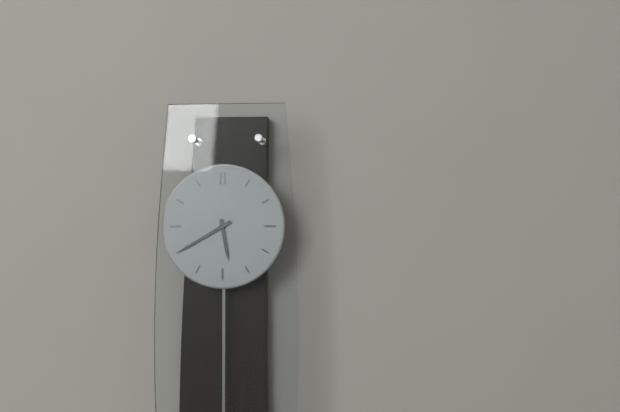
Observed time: 5:40
